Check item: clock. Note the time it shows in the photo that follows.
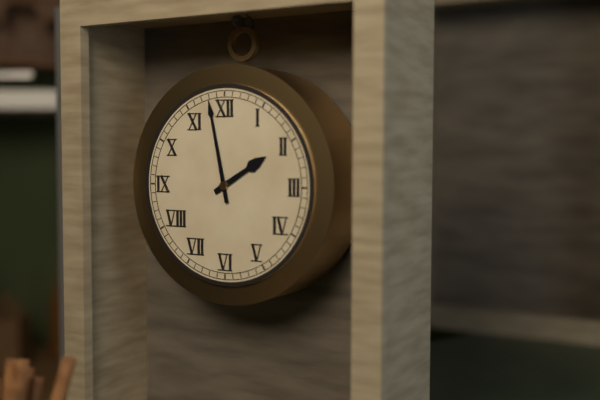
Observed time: 1:58
